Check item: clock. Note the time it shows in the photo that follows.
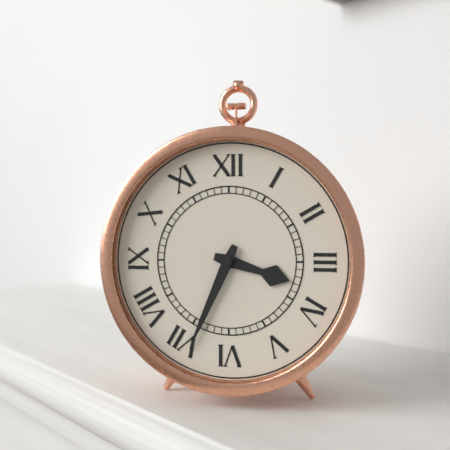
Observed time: 3:34
